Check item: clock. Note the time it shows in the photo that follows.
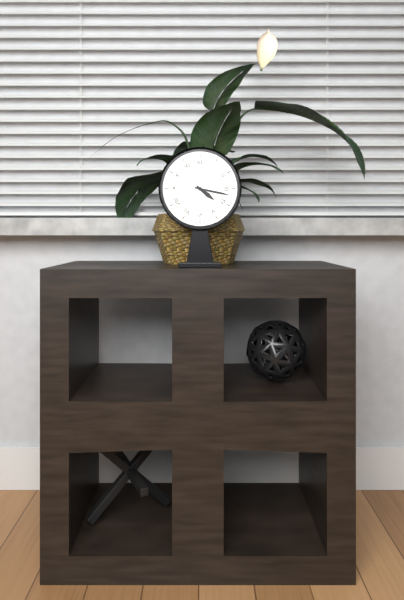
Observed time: 4:17
